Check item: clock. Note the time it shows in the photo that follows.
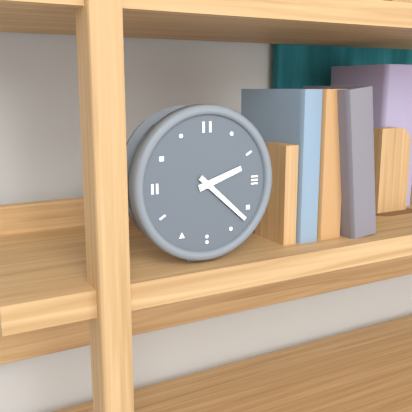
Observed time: 2:22
